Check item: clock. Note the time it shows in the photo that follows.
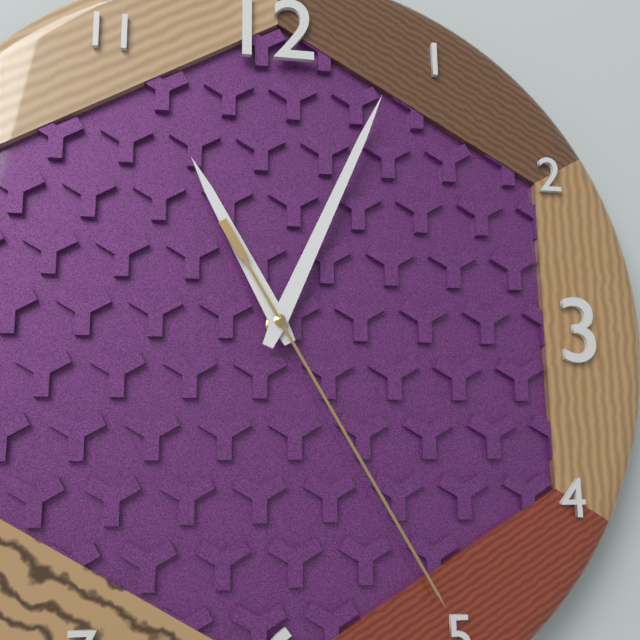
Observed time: 11:04:25
